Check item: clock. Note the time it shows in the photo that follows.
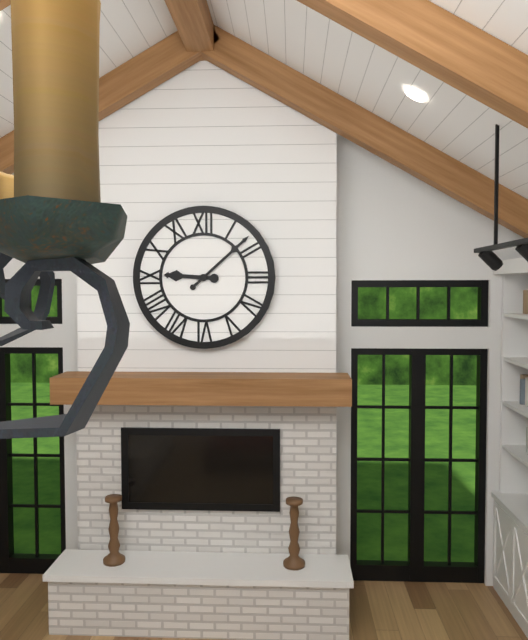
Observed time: 9:08
